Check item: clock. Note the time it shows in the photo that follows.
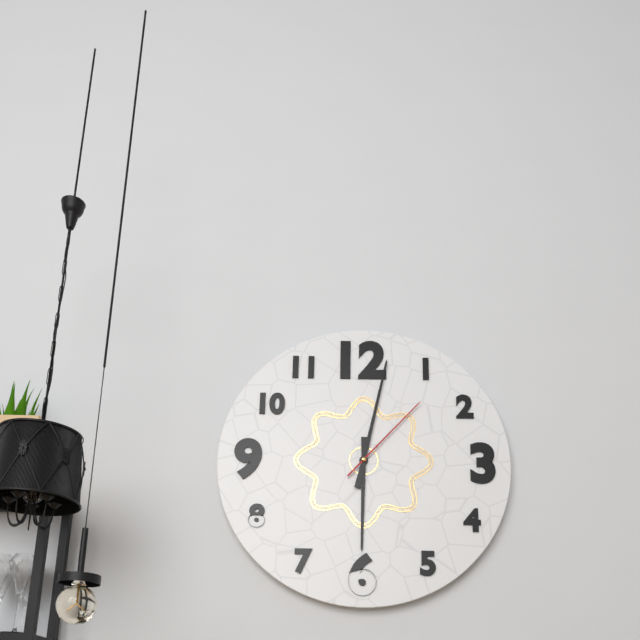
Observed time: 6:02:07
